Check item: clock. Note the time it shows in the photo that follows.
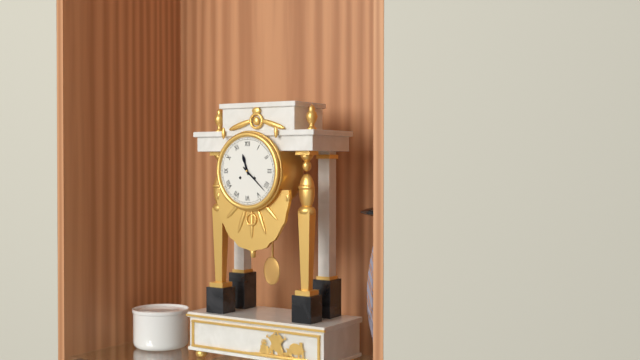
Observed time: 11:22
